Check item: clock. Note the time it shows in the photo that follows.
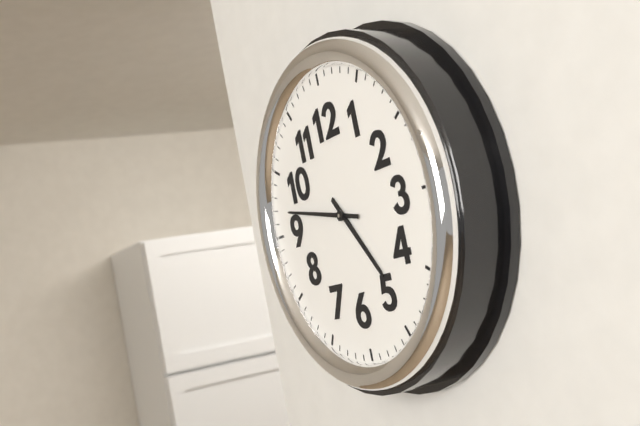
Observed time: 4:47
